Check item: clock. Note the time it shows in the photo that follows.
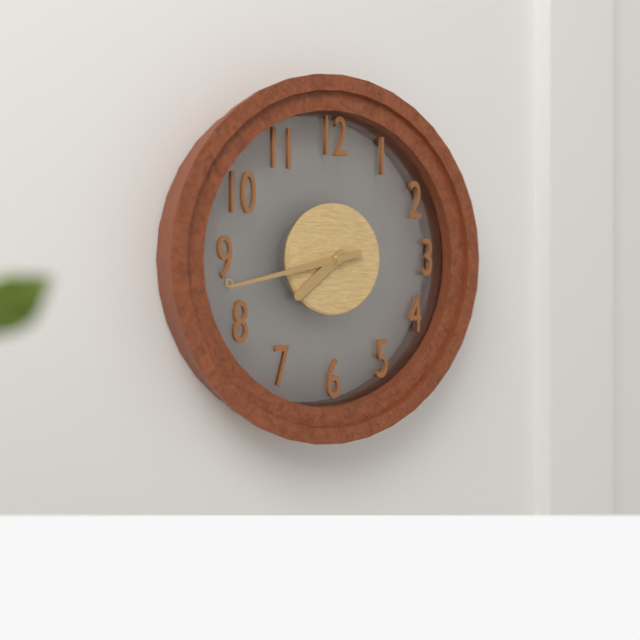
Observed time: 7:43
